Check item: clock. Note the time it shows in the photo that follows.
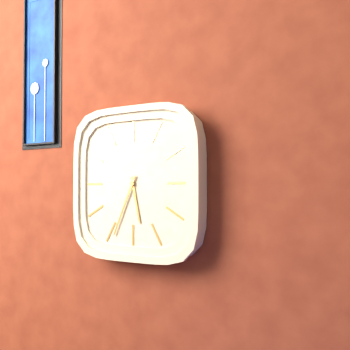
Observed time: 5:34
